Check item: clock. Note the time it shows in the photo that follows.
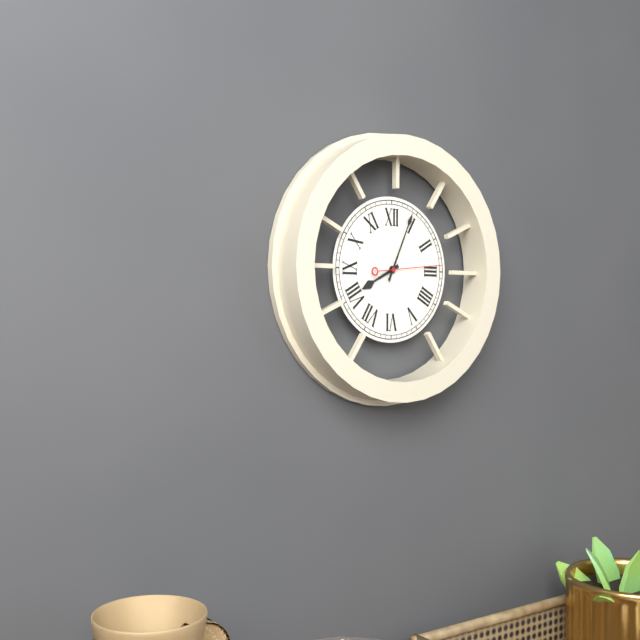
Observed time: 8:04:14
